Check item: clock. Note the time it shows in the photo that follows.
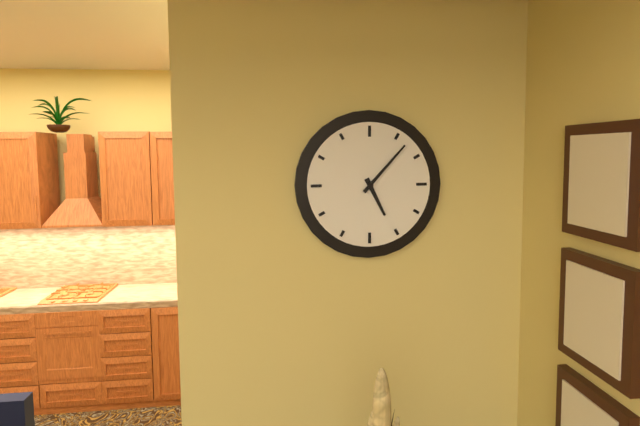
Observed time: 5:07
